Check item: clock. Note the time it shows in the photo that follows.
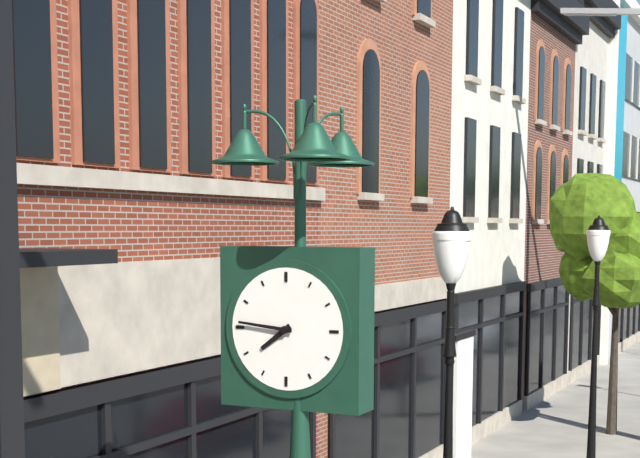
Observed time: 7:46
